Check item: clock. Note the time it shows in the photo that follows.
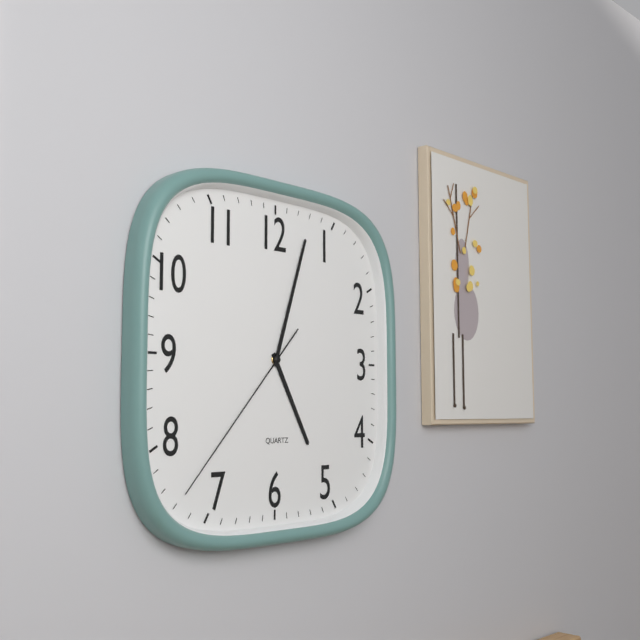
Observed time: 5:03:37
